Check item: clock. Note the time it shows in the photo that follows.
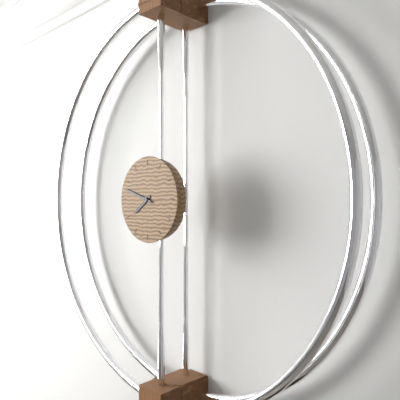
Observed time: 7:48
